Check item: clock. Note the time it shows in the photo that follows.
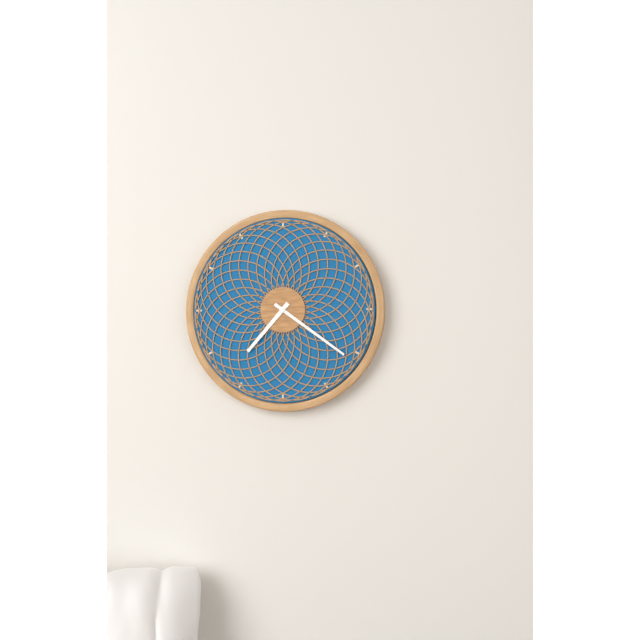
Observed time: 7:21
